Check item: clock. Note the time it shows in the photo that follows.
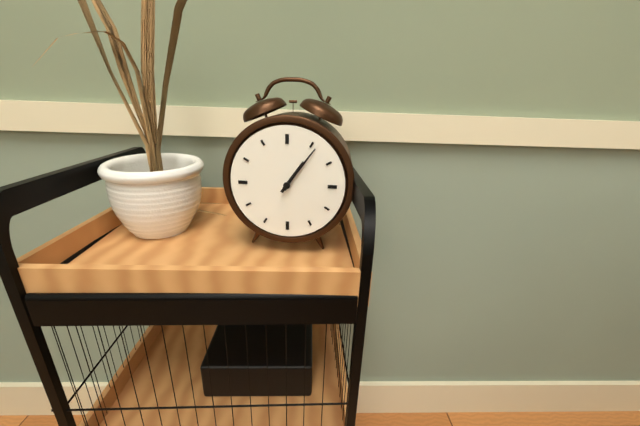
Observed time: 1:06
